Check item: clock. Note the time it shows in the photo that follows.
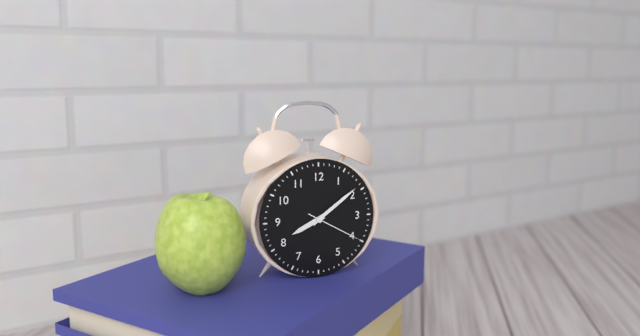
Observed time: 8:09:20
